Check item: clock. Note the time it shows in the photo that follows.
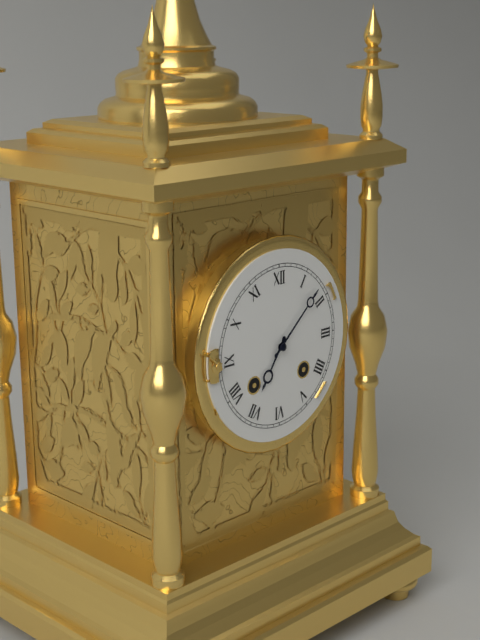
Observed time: 7:08
